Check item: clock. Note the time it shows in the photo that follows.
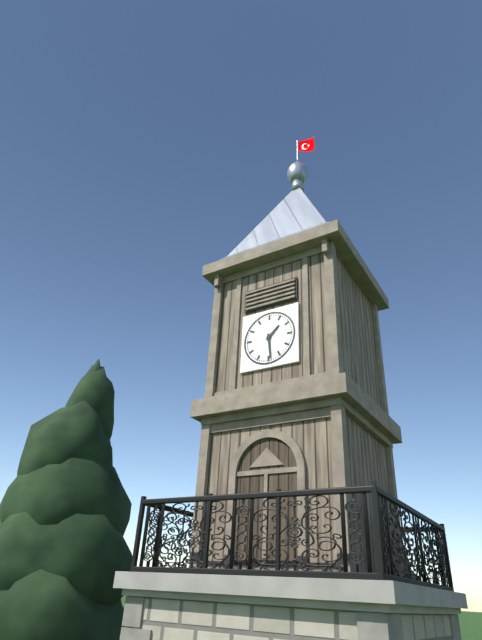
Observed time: 1:29
